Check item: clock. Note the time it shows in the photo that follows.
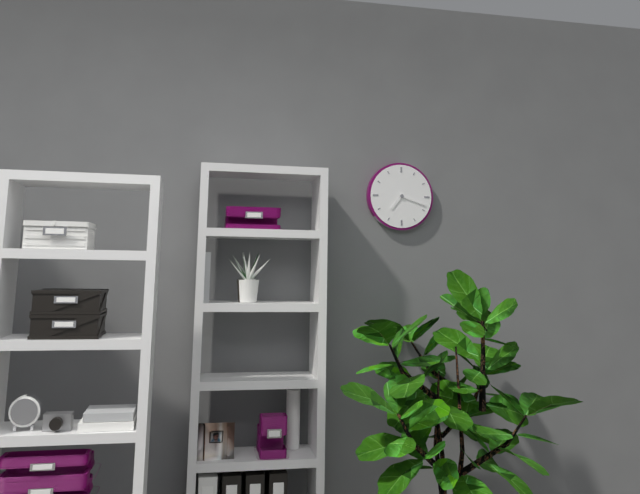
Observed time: 7:18
